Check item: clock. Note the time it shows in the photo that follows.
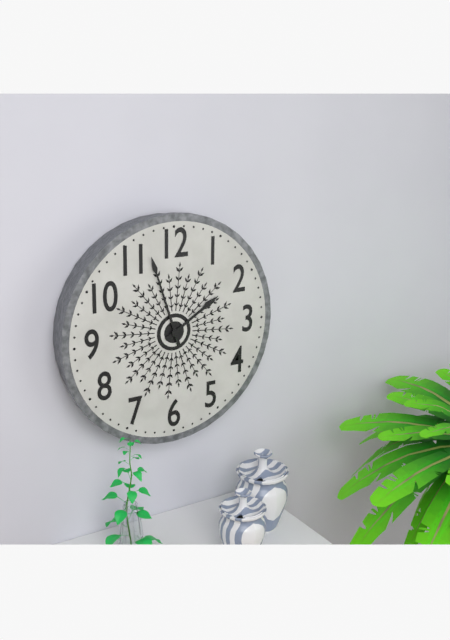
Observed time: 1:57
